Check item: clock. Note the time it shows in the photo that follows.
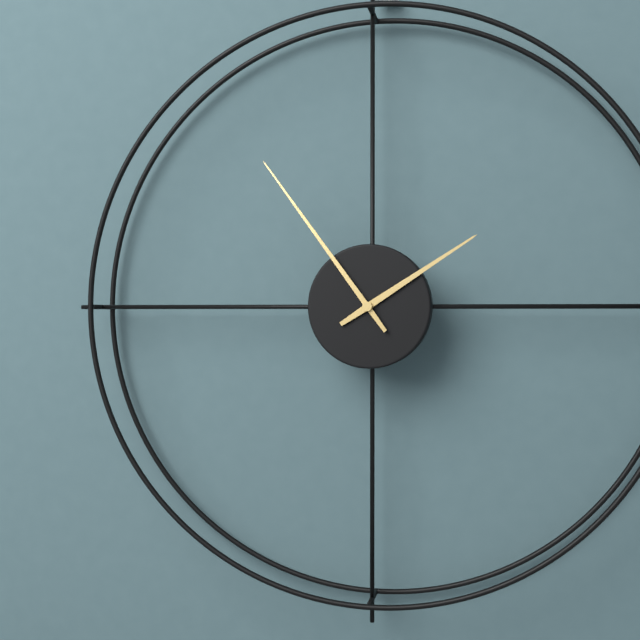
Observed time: 1:54
